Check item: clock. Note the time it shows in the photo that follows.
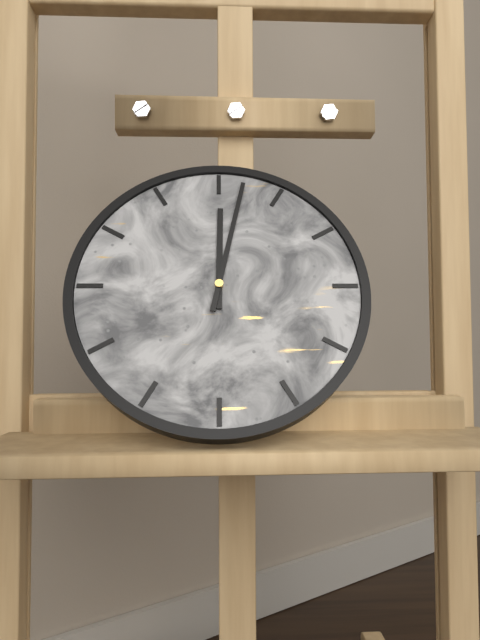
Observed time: 12:02
